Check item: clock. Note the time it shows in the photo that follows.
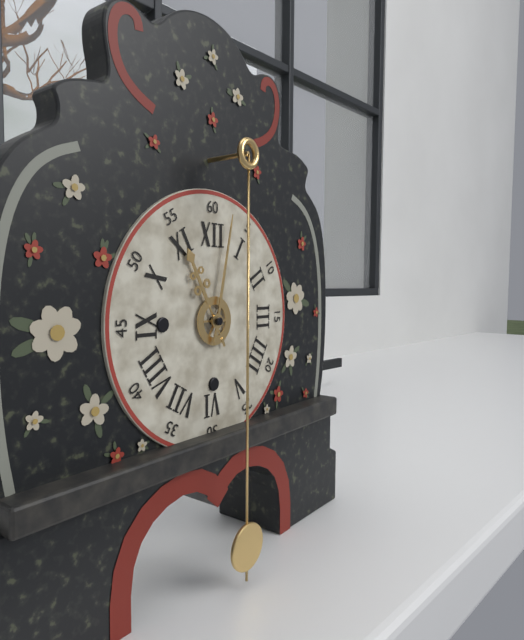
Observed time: 11:02
